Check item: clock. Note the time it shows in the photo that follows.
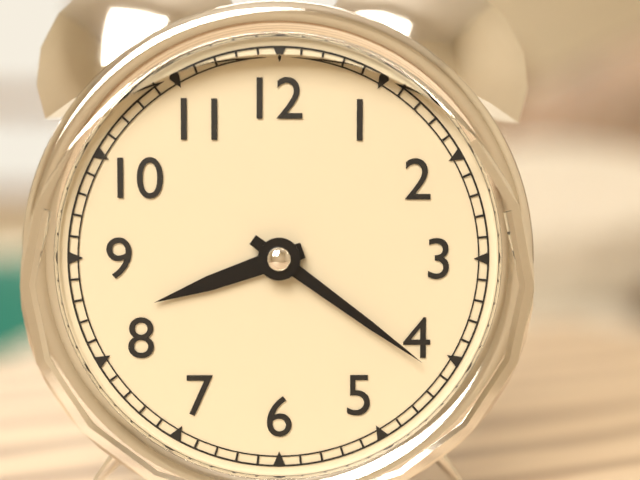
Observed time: 8:21
